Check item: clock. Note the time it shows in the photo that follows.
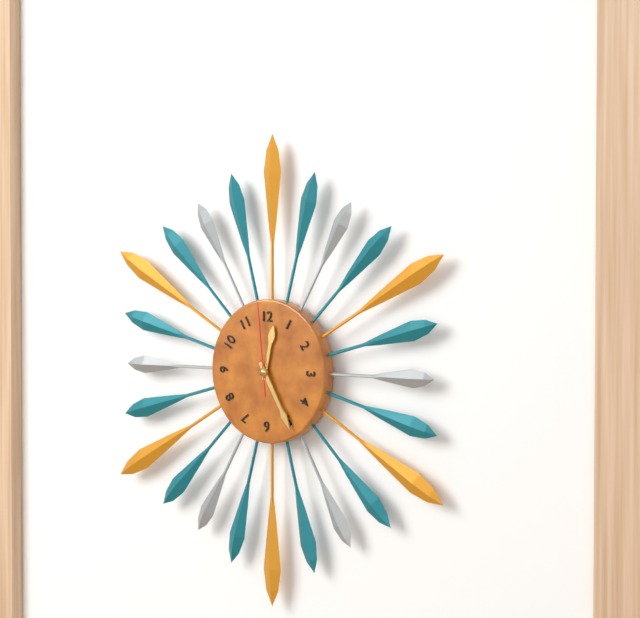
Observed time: 12:25:59
